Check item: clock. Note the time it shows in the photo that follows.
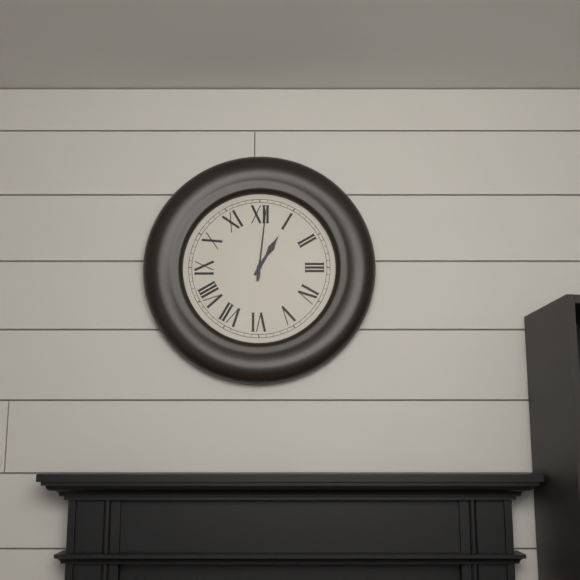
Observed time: 1:01
